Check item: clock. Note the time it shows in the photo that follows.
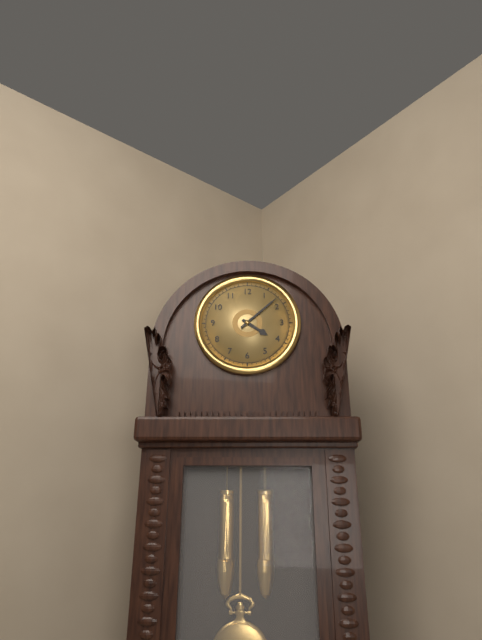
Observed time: 4:08
